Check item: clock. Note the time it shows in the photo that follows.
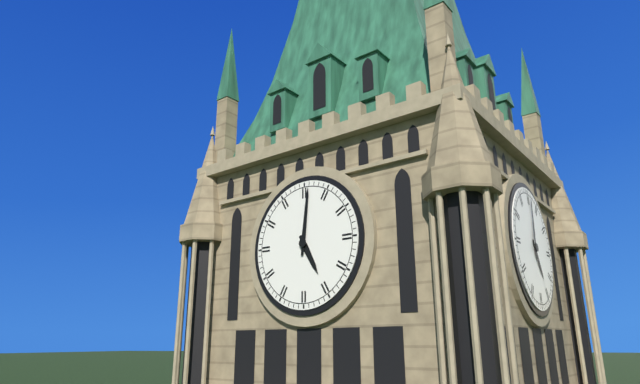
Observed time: 5:01
